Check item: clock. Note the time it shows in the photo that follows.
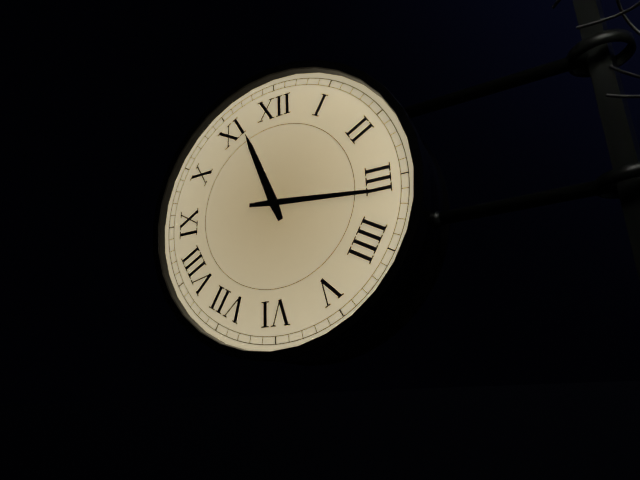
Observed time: 11:16
